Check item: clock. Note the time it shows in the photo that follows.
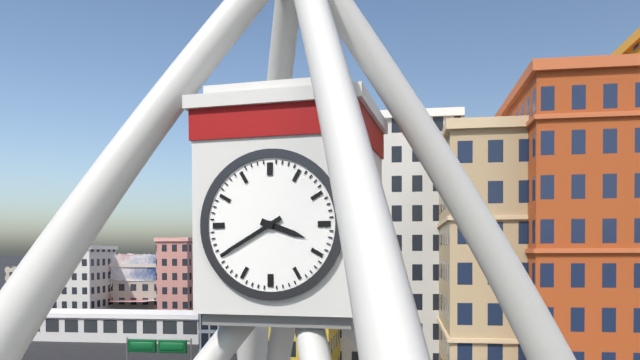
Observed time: 3:40
